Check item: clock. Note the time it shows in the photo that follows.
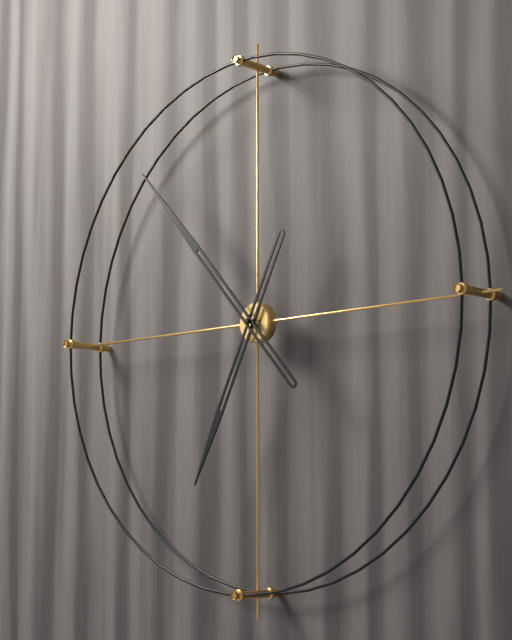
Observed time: 6:53
